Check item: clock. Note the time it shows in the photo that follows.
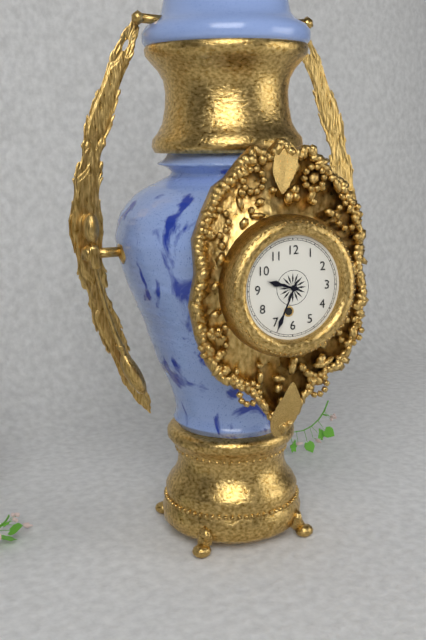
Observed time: 9:34
